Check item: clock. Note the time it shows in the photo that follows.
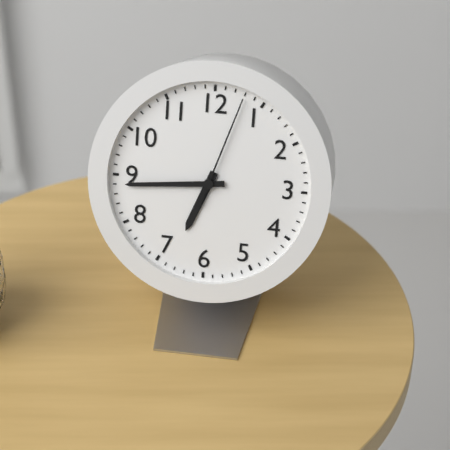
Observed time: 6:44:03
